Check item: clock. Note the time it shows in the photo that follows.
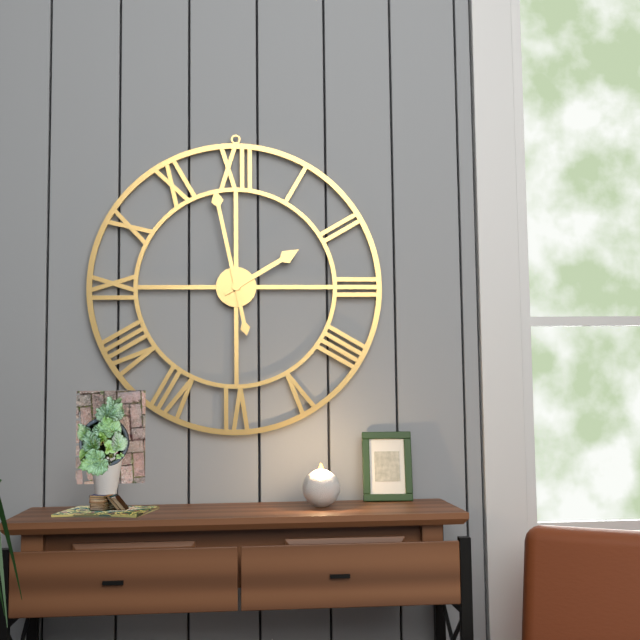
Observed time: 1:58
